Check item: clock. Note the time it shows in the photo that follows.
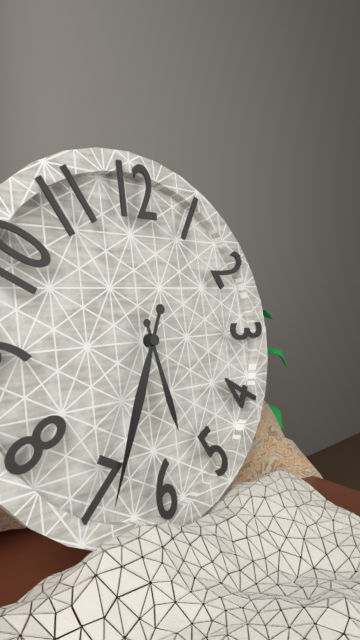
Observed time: 5:34
